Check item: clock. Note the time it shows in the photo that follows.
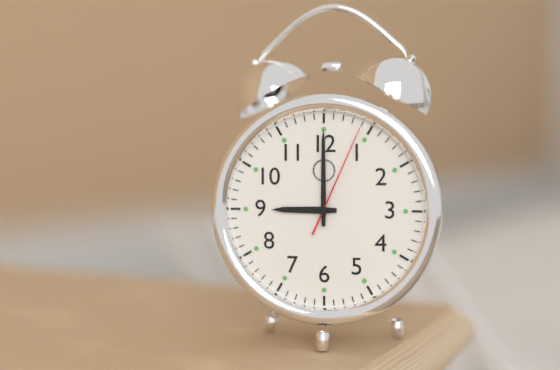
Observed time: 9:00:04
